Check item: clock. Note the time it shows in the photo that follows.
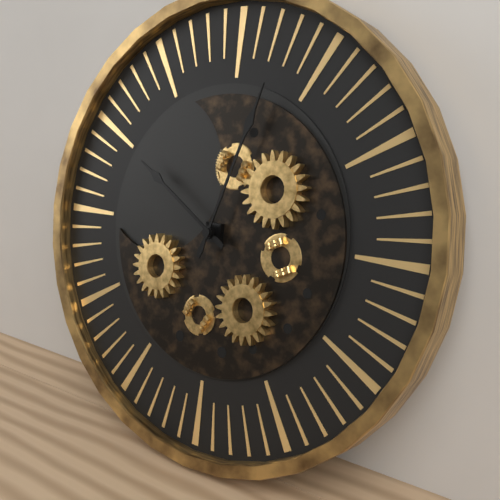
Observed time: 10:03
